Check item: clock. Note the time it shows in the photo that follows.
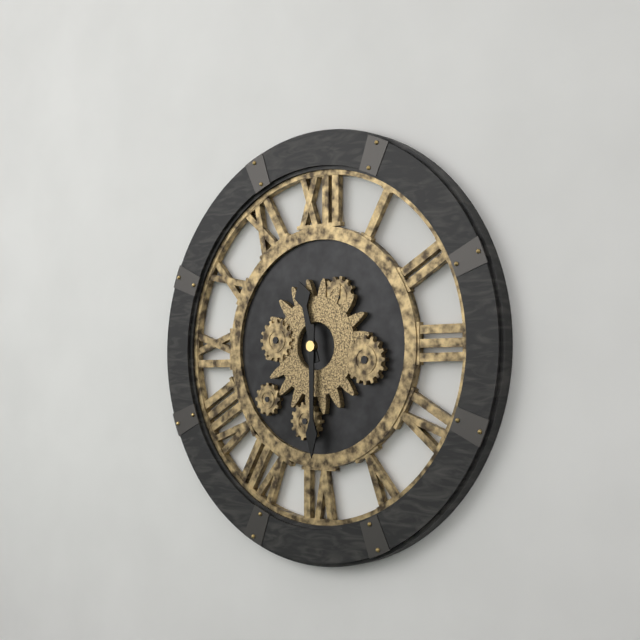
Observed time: 11:30
